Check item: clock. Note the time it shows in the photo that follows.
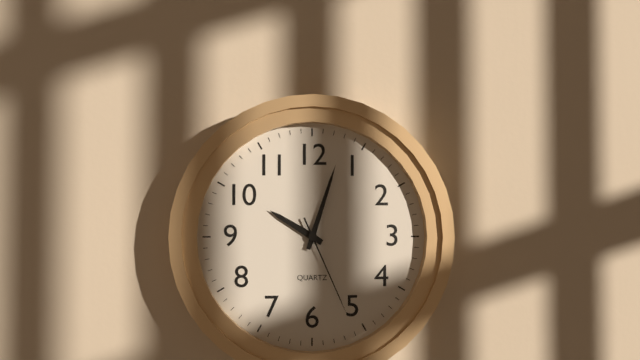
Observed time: 10:03:26
